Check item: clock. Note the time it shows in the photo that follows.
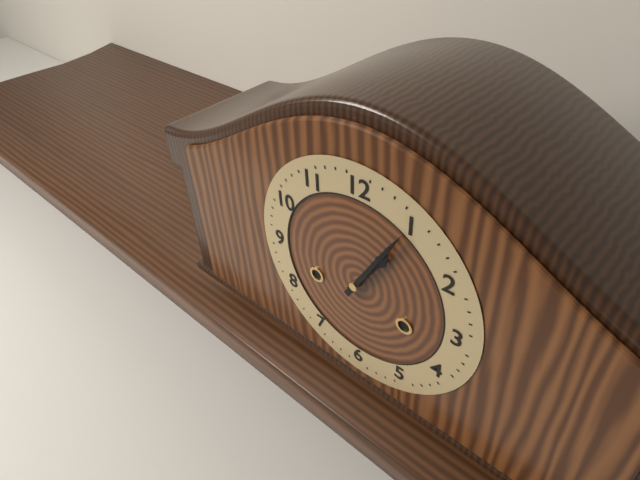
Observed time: 1:05
